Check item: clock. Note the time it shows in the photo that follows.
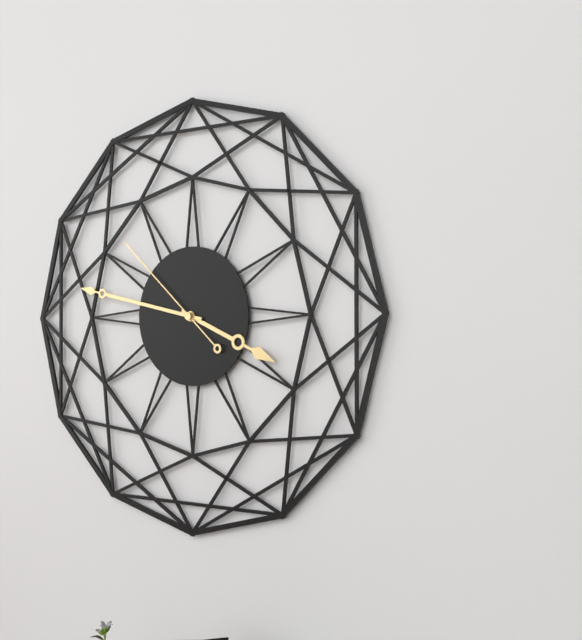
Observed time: 3:47:52
